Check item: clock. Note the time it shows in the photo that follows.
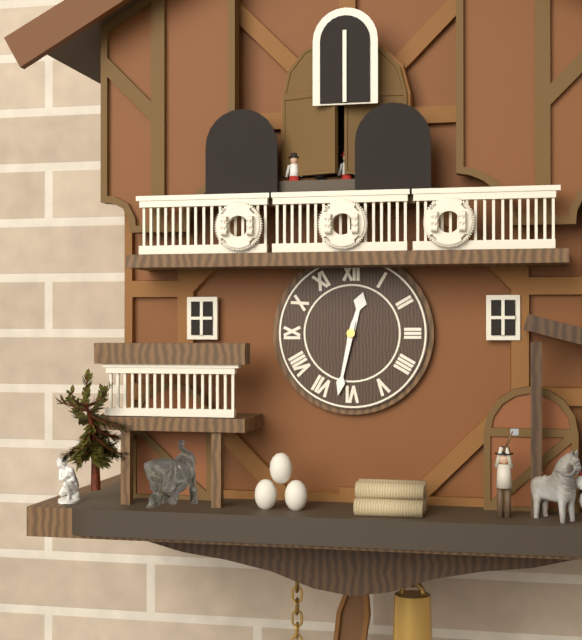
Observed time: 12:32
